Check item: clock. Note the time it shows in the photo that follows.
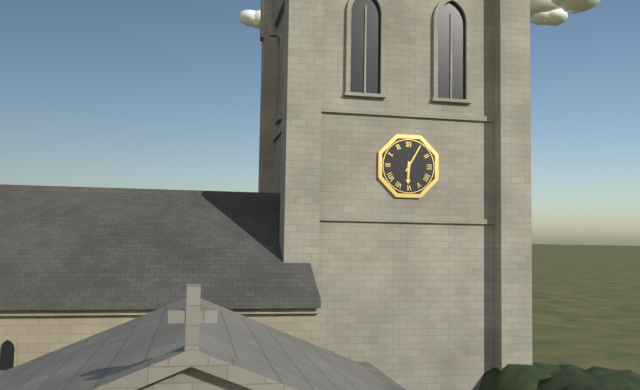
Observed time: 6:05
